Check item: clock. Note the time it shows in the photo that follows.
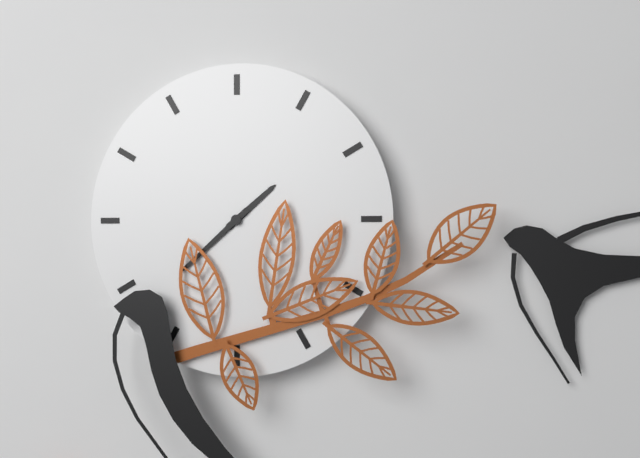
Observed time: 1:38
